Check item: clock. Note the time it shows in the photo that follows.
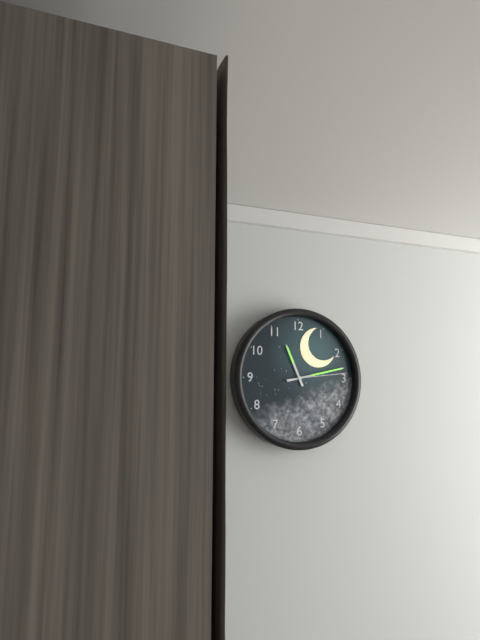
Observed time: 11:13:14
